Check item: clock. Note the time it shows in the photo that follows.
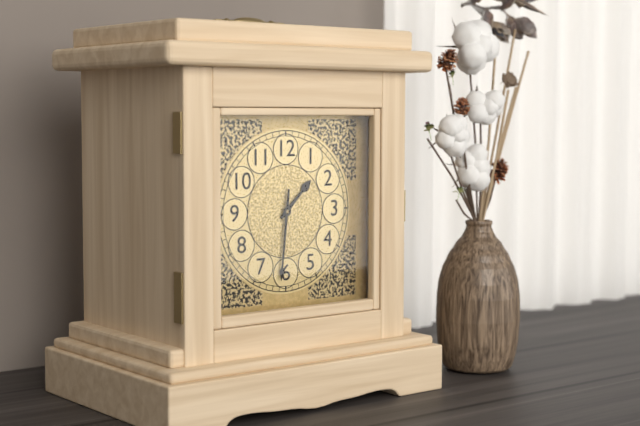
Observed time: 1:31
